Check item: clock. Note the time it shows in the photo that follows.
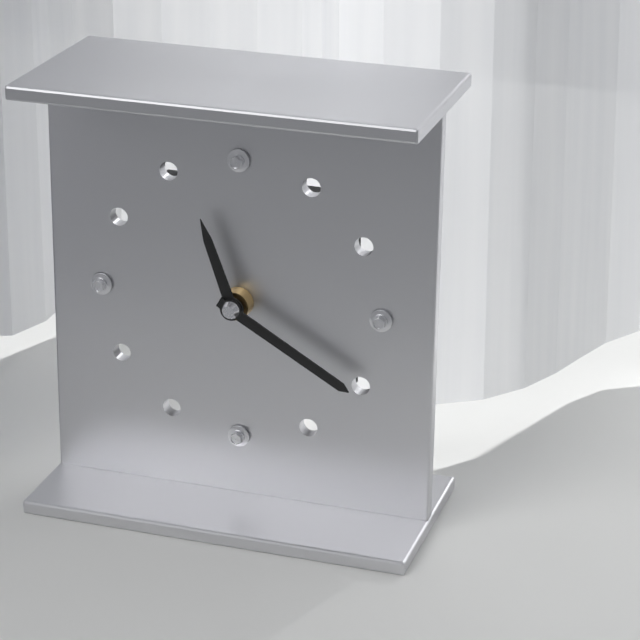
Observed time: 11:20
